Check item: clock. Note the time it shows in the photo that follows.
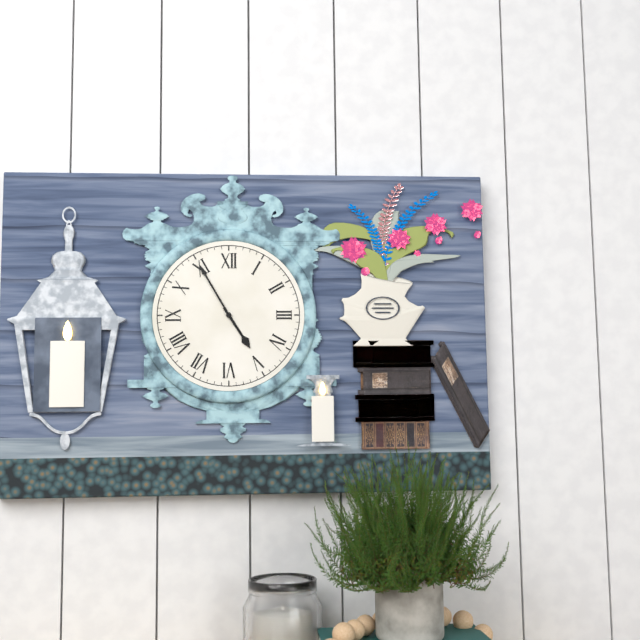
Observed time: 4:55
